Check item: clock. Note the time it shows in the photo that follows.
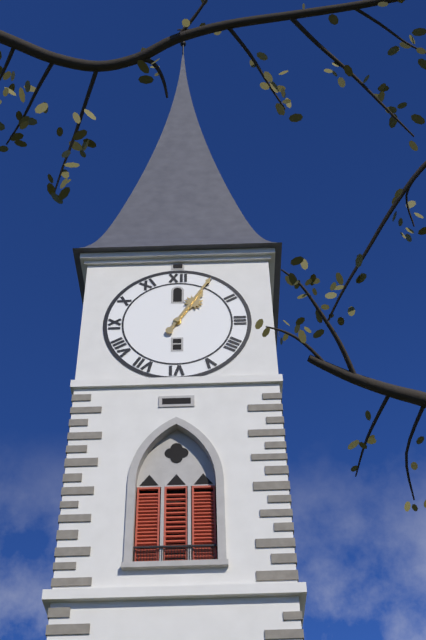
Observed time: 1:05
